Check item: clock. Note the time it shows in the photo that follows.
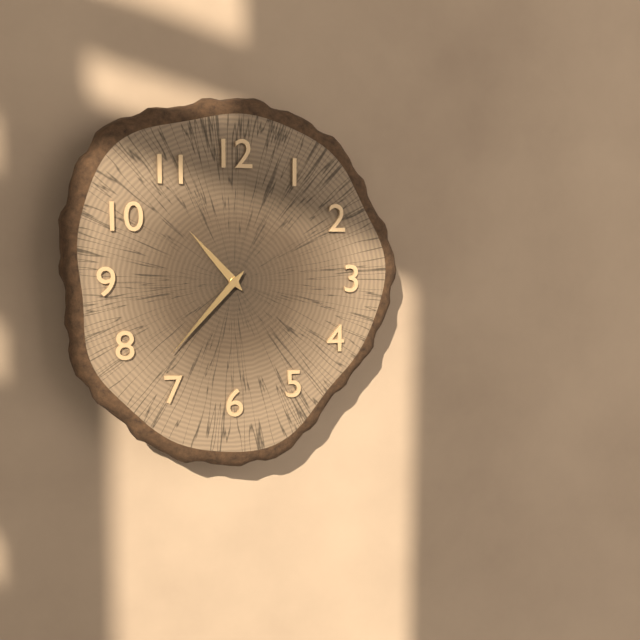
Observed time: 10:37
